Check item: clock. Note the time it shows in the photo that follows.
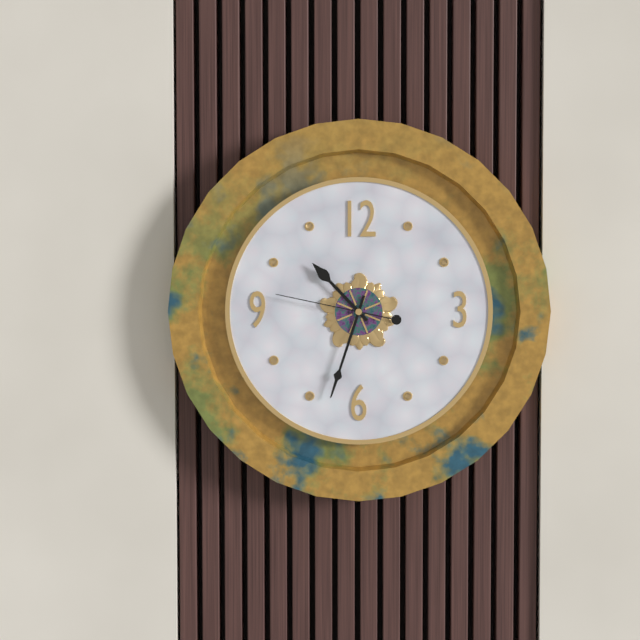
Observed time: 10:33:47
